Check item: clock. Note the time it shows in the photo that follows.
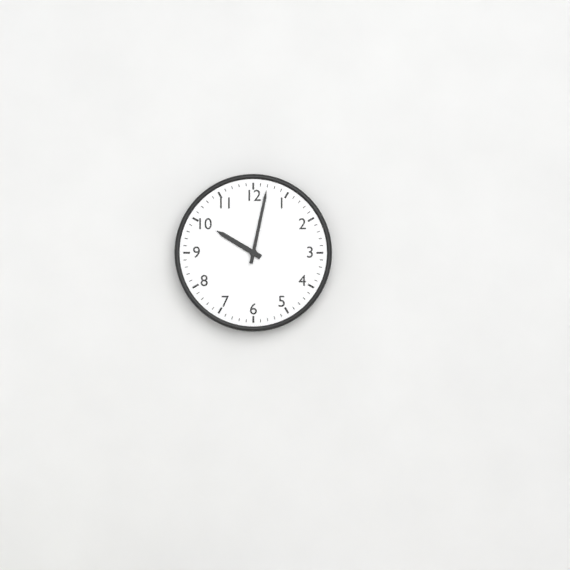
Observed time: 10:02
